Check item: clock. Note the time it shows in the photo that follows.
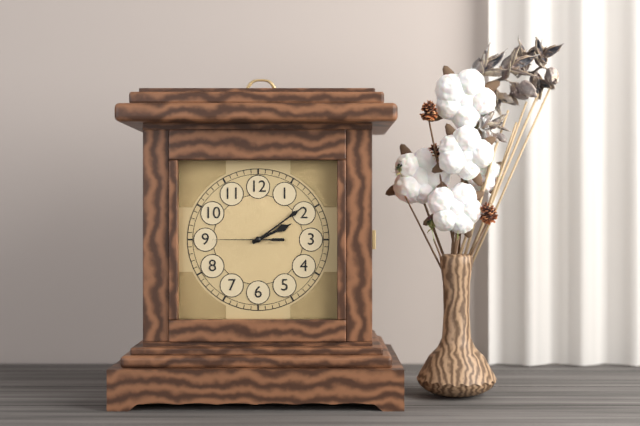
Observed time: 2:09:45
